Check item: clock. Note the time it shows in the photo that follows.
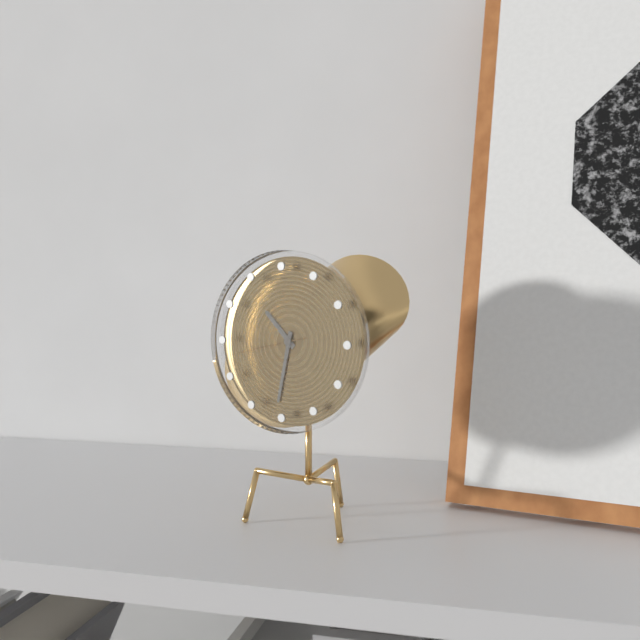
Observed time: 10:32:43
